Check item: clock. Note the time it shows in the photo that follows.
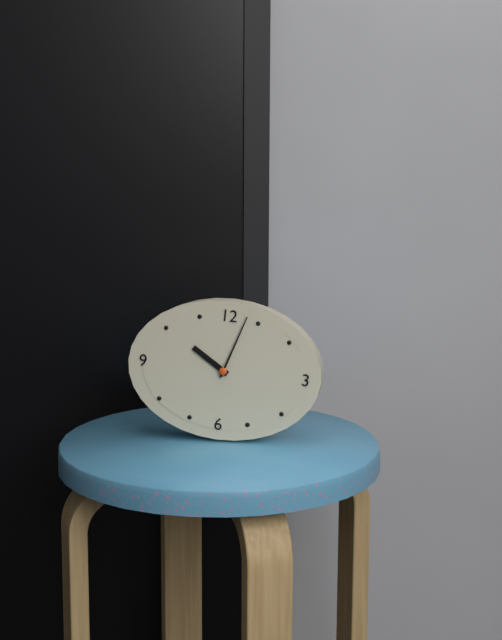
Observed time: 10:03
